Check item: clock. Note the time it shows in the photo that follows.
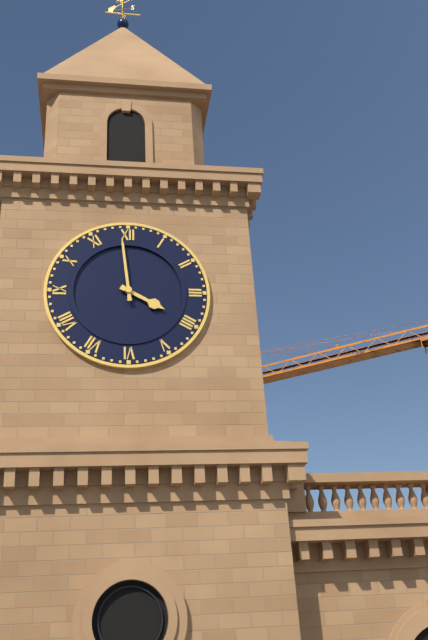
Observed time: 3:59
